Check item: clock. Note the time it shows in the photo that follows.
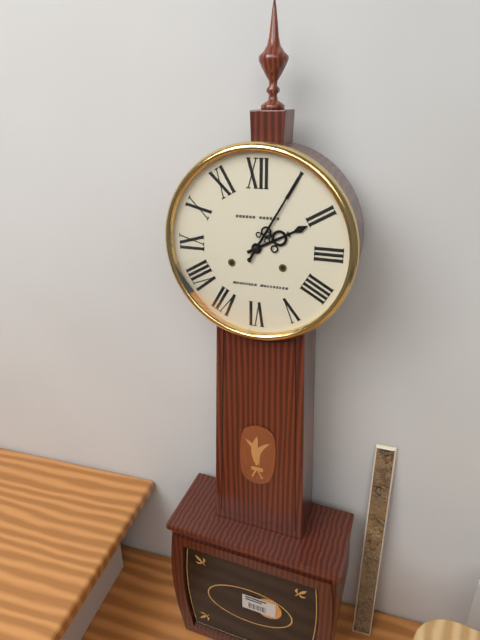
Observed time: 2:05
